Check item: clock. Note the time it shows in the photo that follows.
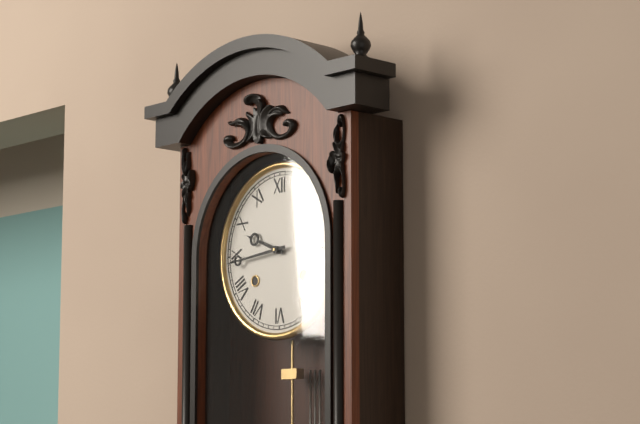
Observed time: 9:44
